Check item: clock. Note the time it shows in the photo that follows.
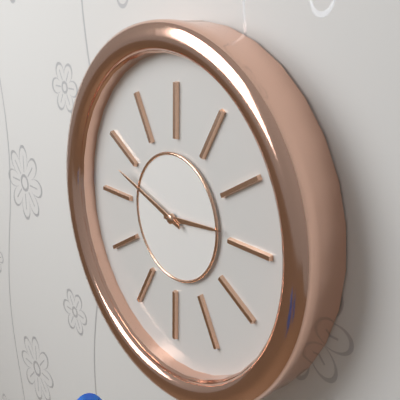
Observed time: 2:48
